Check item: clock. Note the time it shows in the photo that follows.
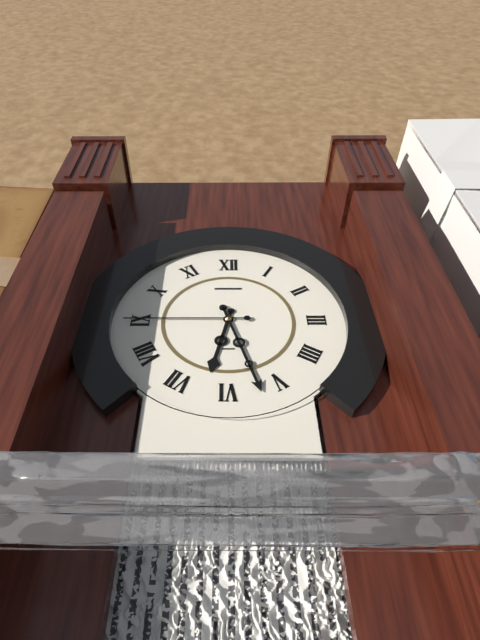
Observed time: 6:27:45
